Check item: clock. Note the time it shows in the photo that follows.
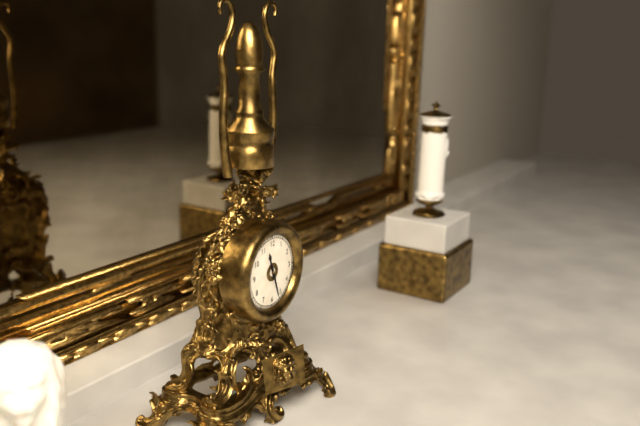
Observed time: 11:27
